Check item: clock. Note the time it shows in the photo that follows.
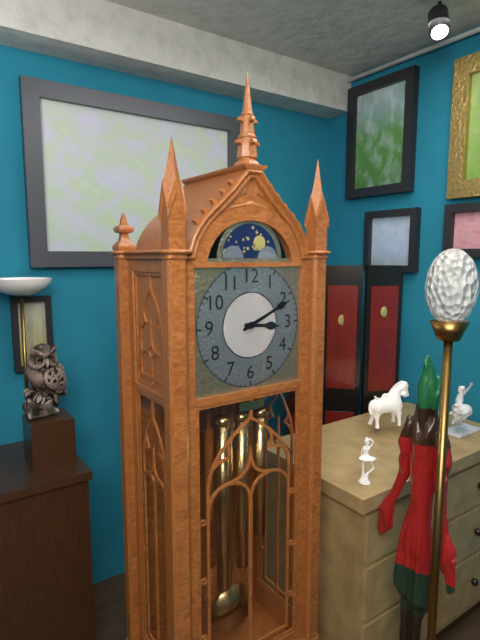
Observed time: 3:11
